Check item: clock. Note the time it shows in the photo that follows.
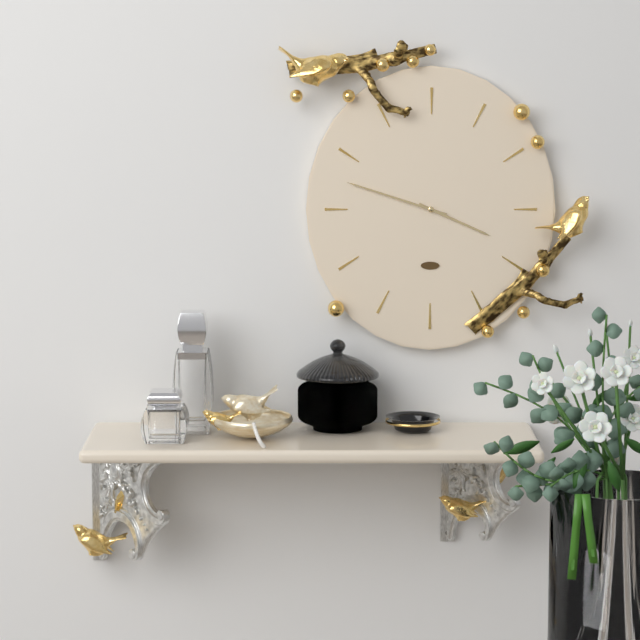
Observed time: 3:48
